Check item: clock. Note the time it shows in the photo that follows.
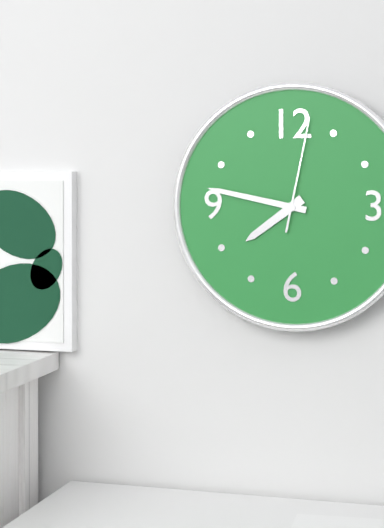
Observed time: 7:47:02
